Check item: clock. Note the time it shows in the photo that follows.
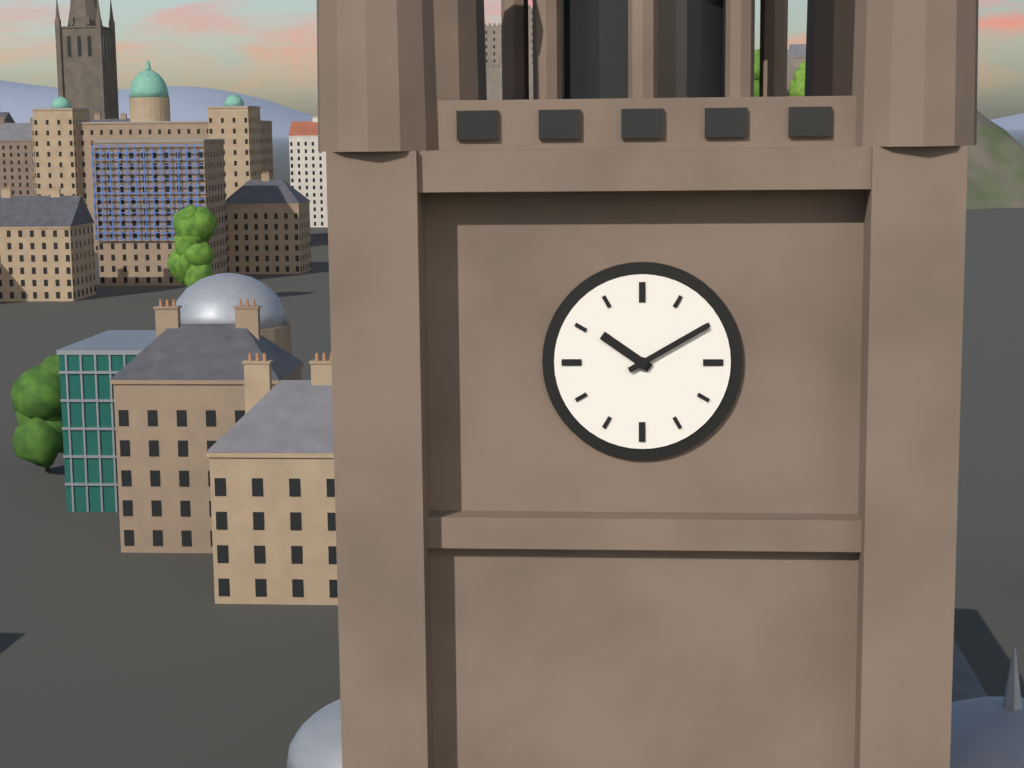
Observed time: 10:10
